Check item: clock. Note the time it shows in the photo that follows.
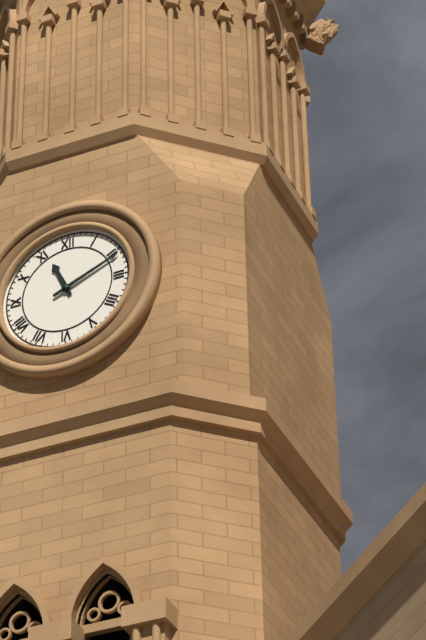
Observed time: 11:11
